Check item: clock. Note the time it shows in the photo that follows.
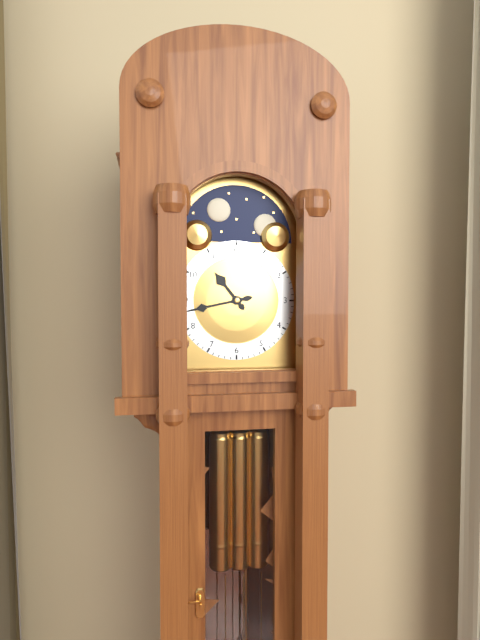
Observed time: 10:43
